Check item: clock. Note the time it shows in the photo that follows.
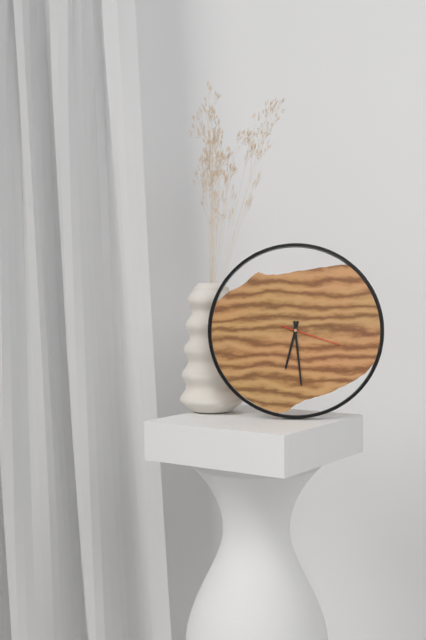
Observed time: 6:29:18
